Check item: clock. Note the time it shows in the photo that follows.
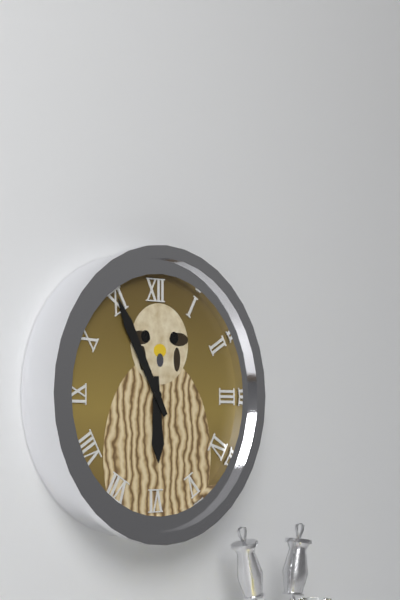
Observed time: 5:55
